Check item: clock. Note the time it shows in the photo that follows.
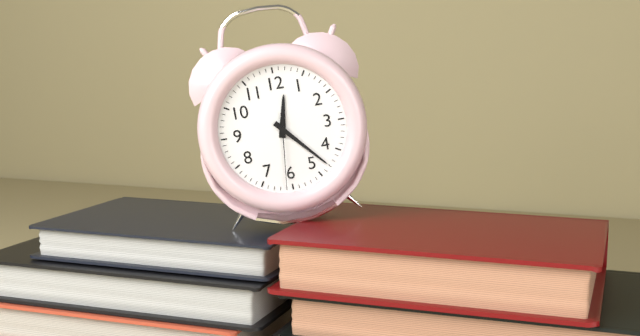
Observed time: 12:23:31
